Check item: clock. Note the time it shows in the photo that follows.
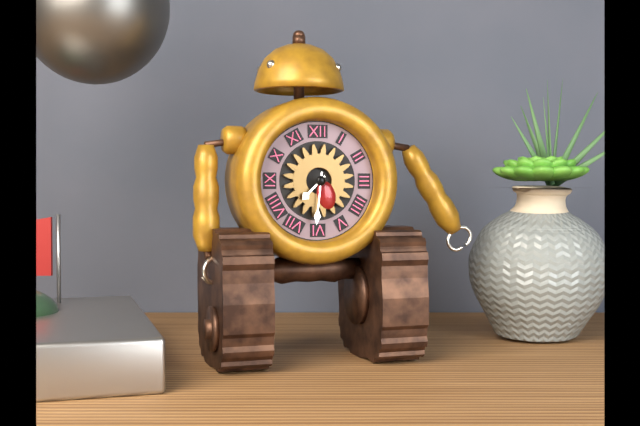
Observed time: 7:31
